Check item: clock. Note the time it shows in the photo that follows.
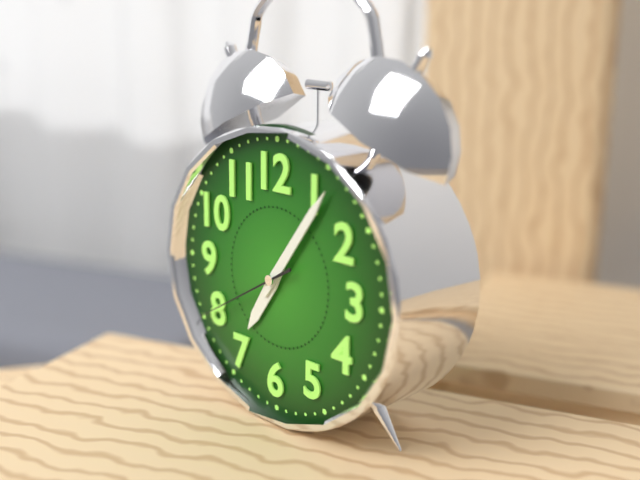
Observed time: 7:06:40
